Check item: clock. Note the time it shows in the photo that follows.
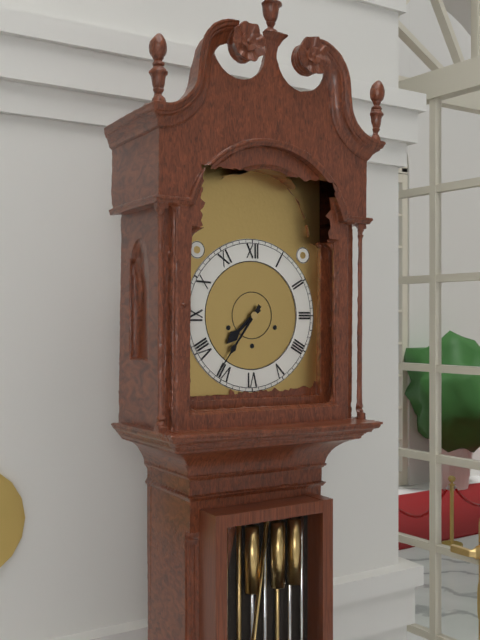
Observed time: 7:36
